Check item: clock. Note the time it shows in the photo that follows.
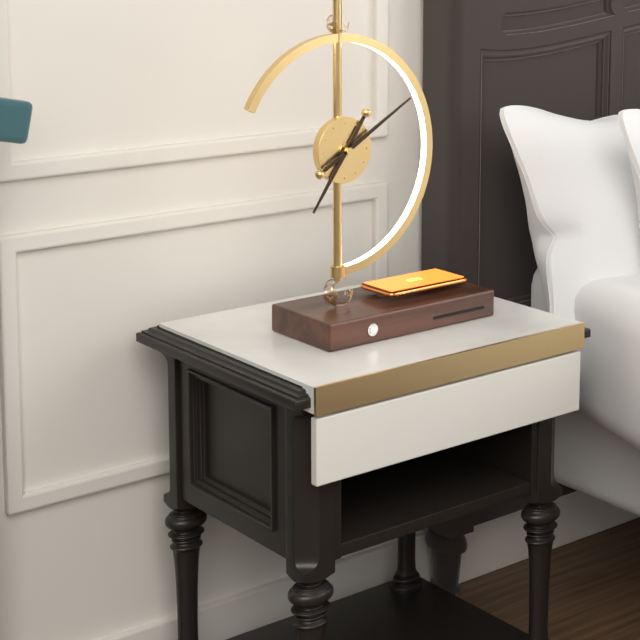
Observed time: 7:10
